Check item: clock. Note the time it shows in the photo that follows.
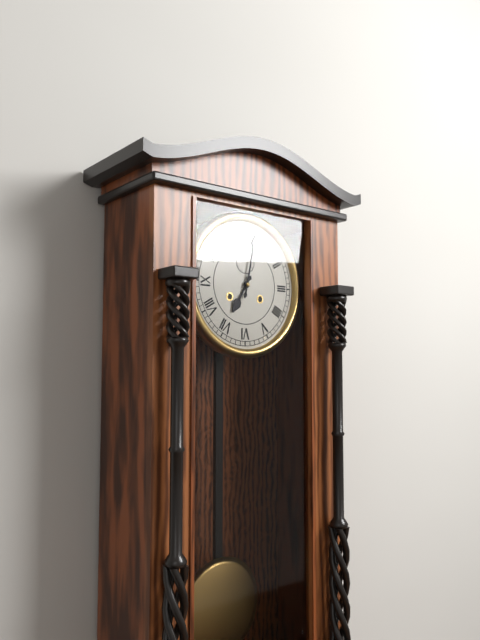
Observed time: 7:02
